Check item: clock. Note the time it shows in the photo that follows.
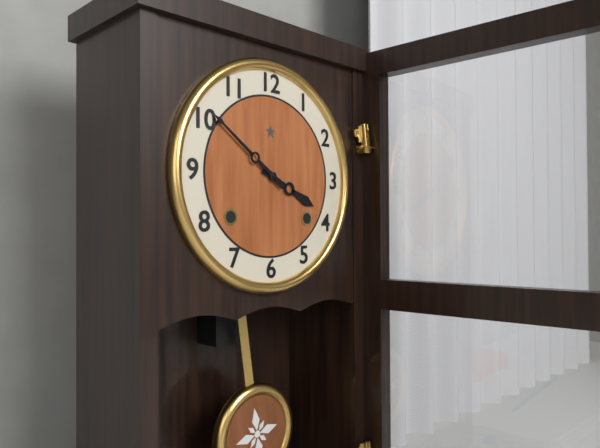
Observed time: 3:51
